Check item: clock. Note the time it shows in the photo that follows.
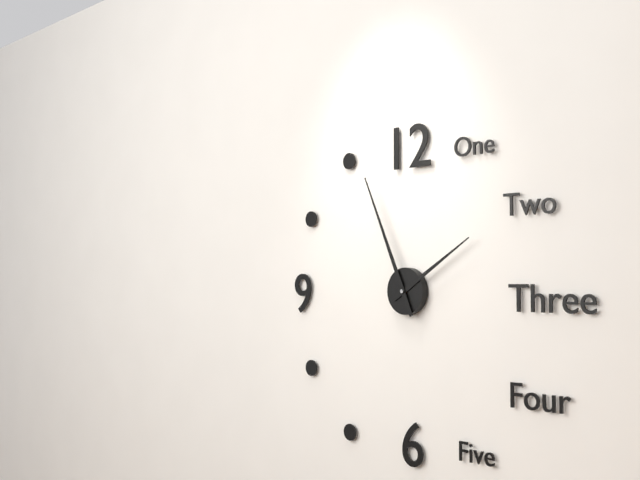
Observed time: 1:56
